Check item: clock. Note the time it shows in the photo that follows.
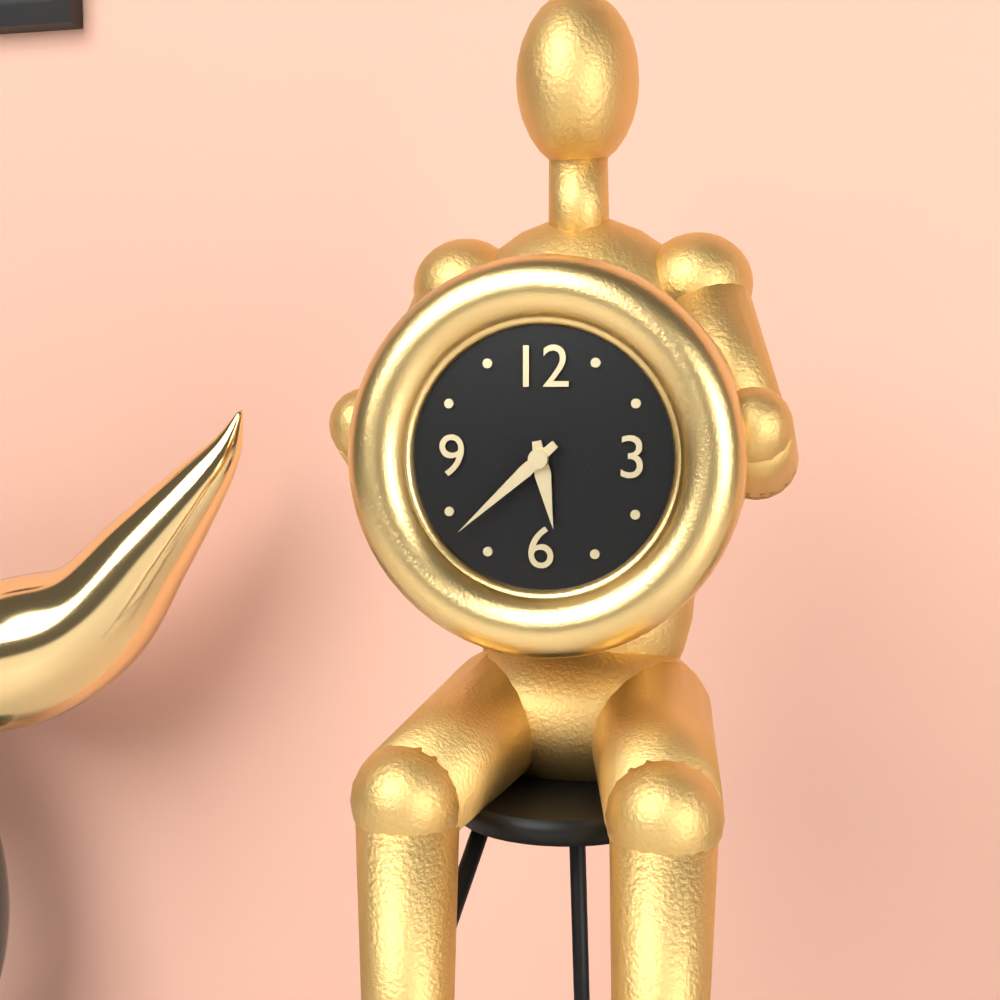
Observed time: 5:38
